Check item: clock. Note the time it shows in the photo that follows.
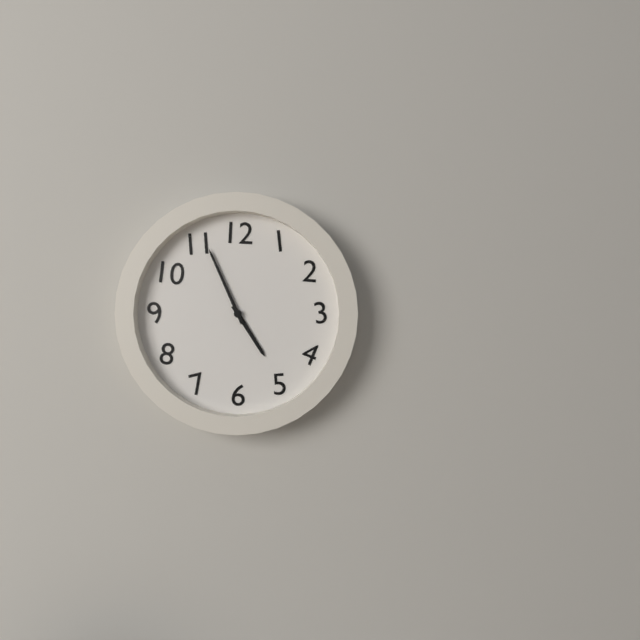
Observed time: 4:56
